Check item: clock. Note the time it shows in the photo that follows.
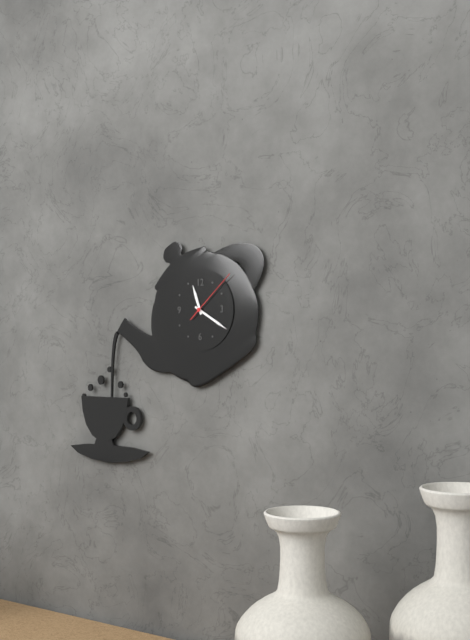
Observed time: 11:20:08
